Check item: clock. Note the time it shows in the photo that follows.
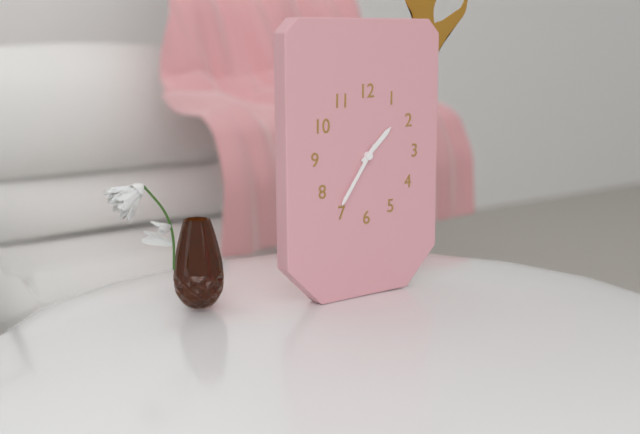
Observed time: 1:36
